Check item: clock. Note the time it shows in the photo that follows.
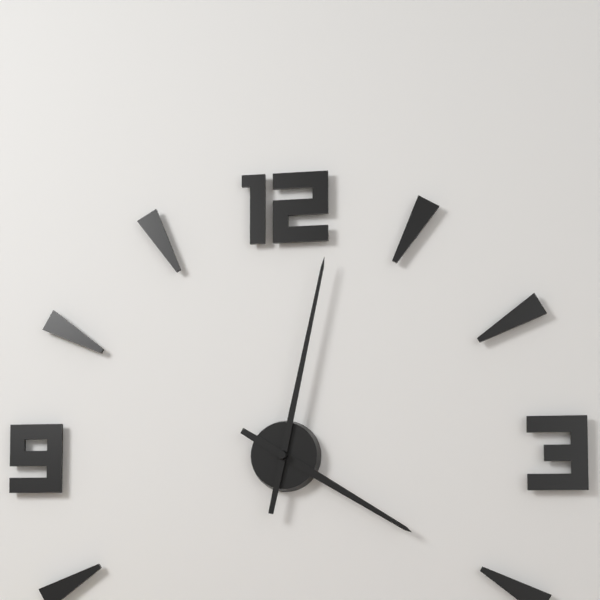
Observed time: 4:02
